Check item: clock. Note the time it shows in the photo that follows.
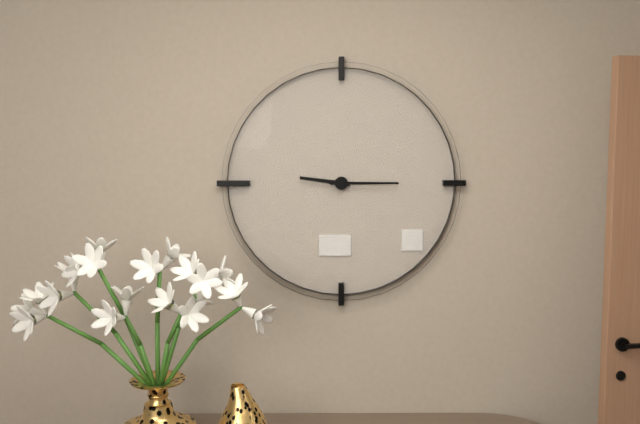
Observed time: 9:15
